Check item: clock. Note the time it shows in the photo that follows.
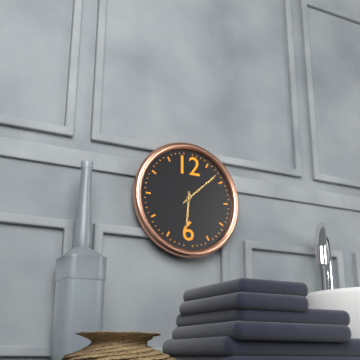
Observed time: 6:08
